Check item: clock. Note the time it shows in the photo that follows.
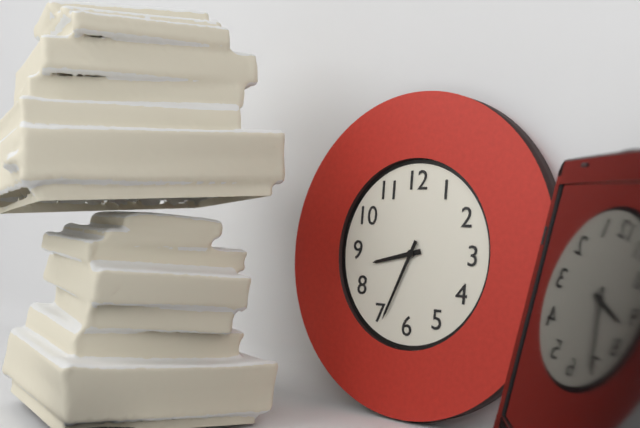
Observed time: 8:34
